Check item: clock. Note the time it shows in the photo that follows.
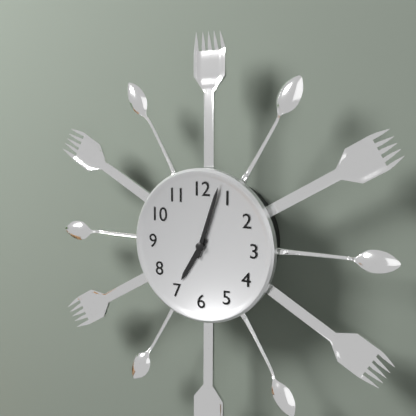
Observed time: 7:03
